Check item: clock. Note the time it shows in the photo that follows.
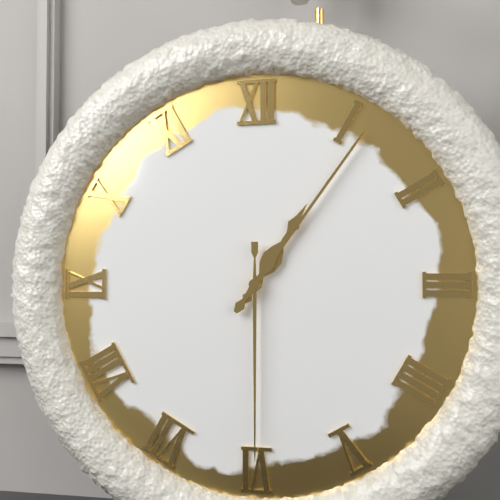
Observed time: 1:06:30
